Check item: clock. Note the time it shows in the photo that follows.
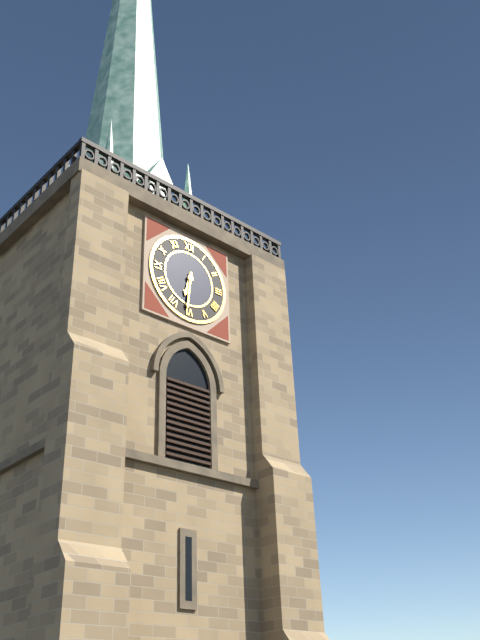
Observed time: 6:31
